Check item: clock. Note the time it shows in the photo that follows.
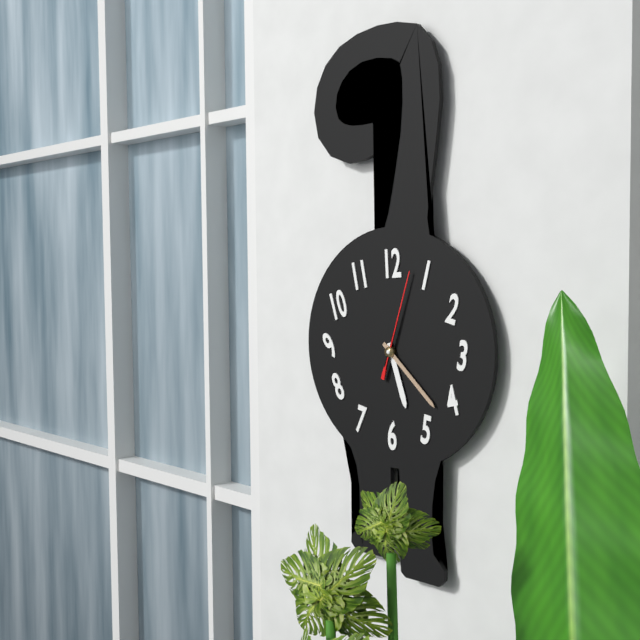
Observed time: 5:22:03
